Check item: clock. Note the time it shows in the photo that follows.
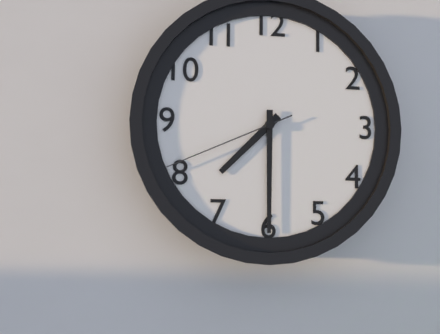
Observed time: 7:30:41
